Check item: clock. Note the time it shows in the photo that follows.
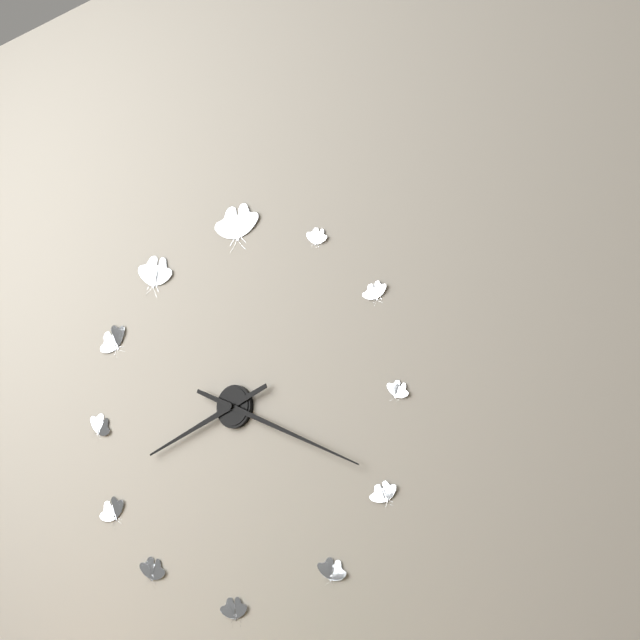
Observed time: 8:19
